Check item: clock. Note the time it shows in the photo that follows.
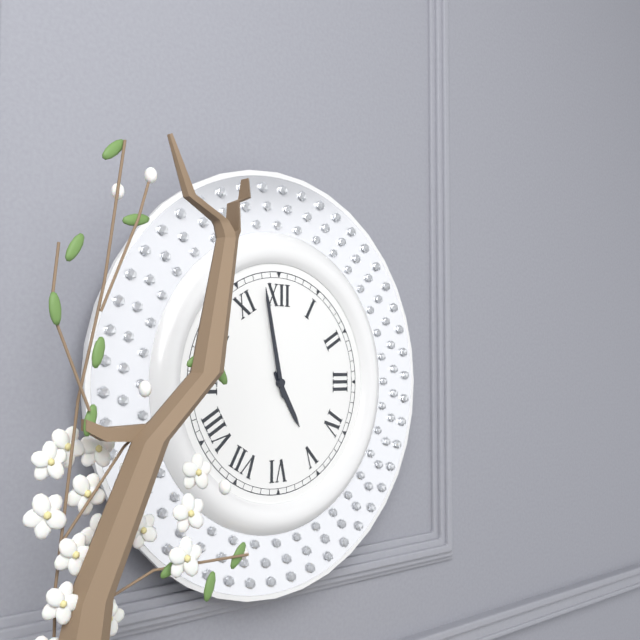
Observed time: 4:58
